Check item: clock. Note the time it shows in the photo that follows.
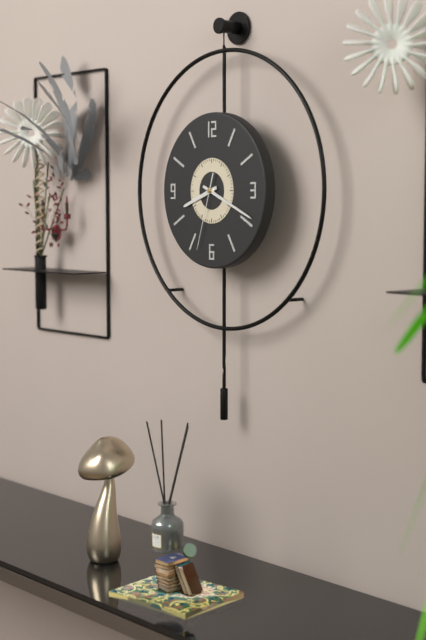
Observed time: 8:19:33
